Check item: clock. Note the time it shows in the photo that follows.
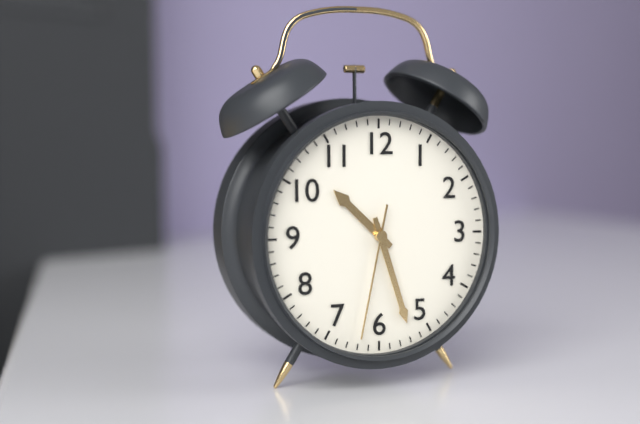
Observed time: 10:27:32
